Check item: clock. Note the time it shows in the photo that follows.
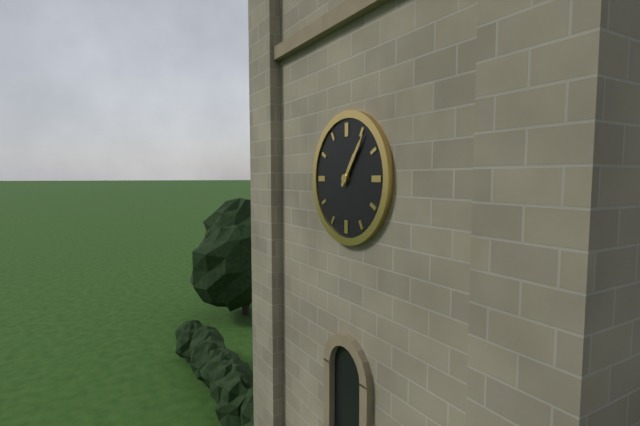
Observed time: 1:06
